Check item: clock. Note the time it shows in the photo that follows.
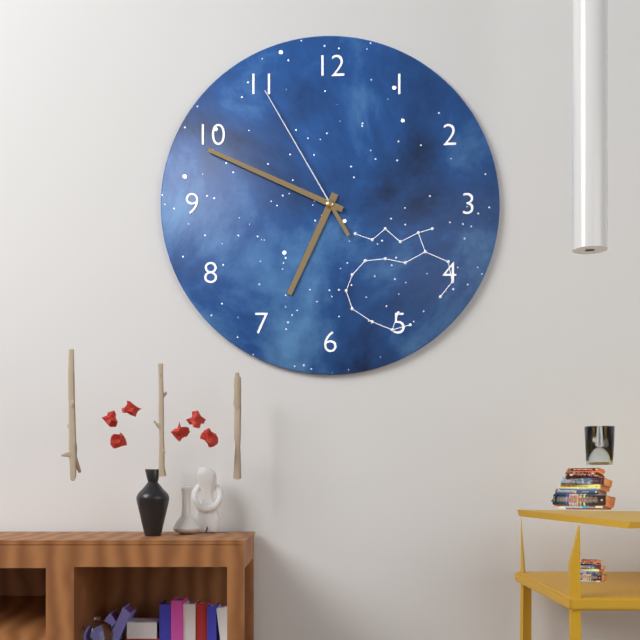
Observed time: 6:49:55
